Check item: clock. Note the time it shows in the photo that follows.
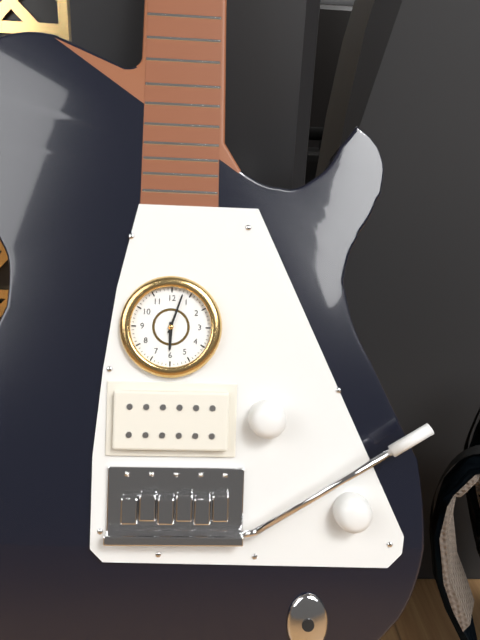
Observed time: 6:03
